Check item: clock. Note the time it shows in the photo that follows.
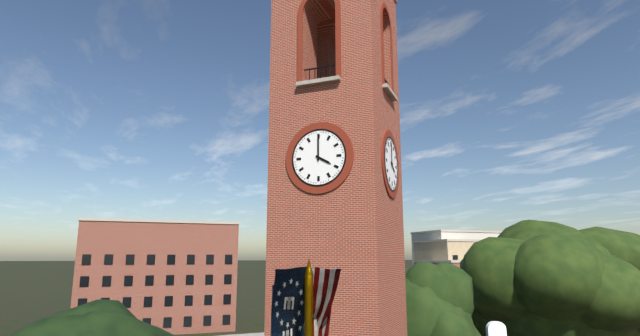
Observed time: 4:00
